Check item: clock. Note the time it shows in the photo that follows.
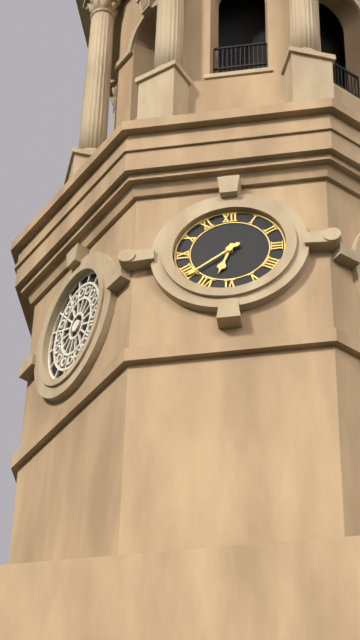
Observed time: 6:39
